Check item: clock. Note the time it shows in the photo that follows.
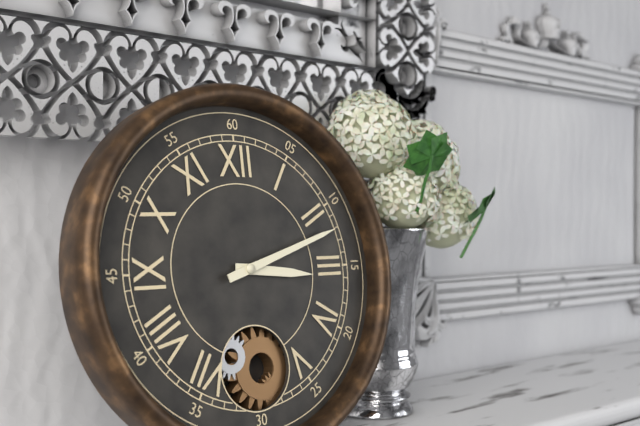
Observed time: 3:12
